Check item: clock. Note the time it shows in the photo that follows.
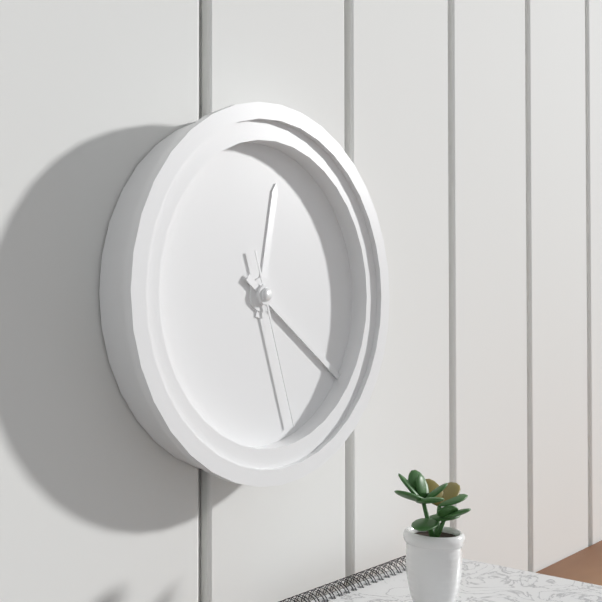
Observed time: 12:21:27
